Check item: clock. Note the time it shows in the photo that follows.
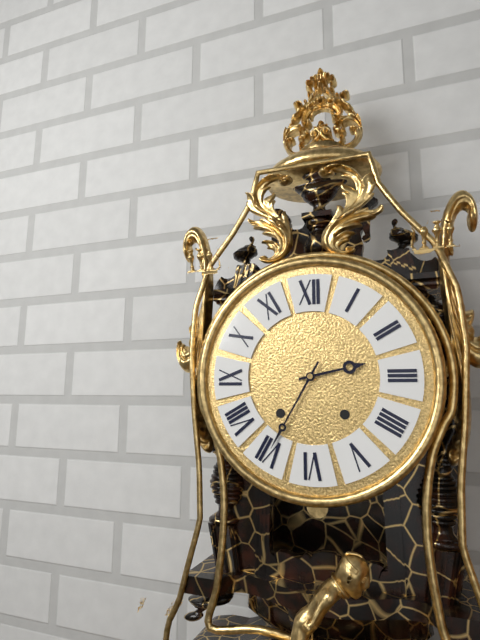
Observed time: 2:35
